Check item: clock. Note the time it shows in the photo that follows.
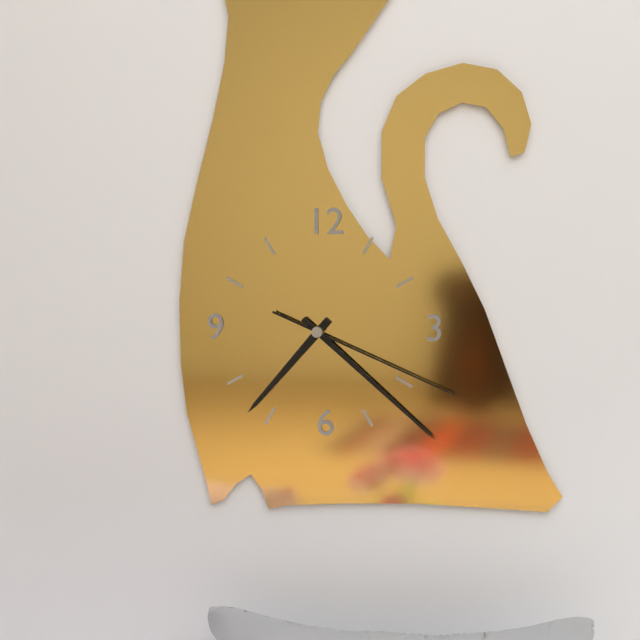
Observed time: 7:22:19
